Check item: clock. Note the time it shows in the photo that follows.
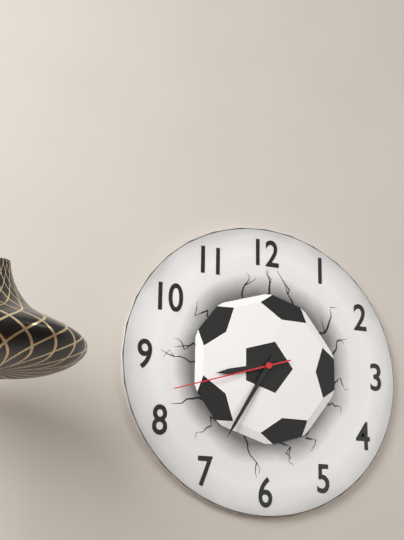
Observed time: 8:35:42
